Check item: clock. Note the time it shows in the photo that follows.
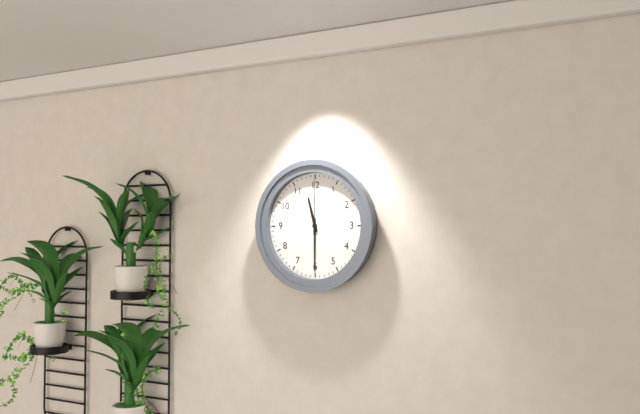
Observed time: 11:30:00
